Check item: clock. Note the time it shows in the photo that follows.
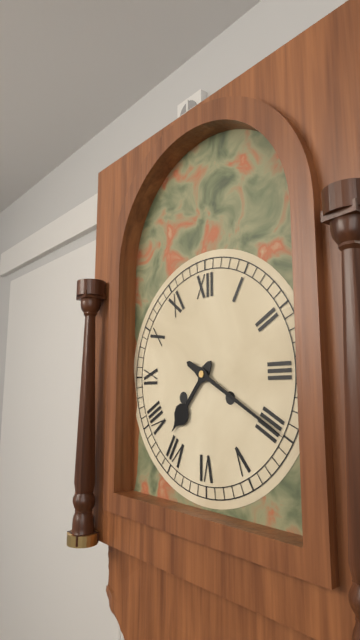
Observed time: 7:20
